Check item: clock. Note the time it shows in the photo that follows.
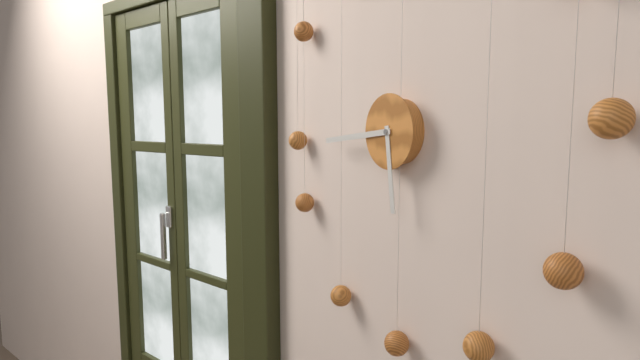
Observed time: 5:44
